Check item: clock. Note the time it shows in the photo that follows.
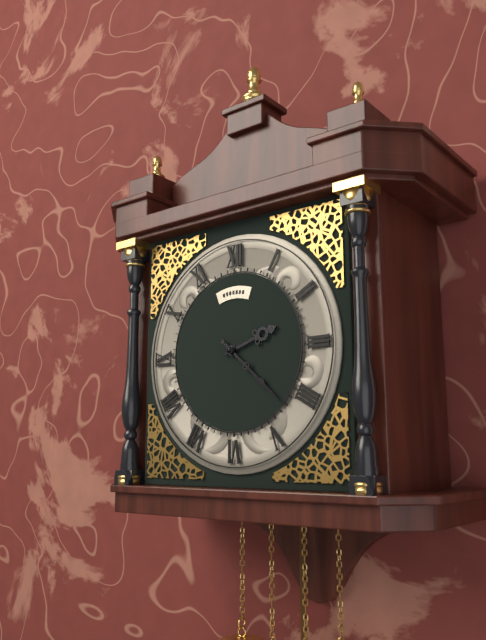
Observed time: 2:22
